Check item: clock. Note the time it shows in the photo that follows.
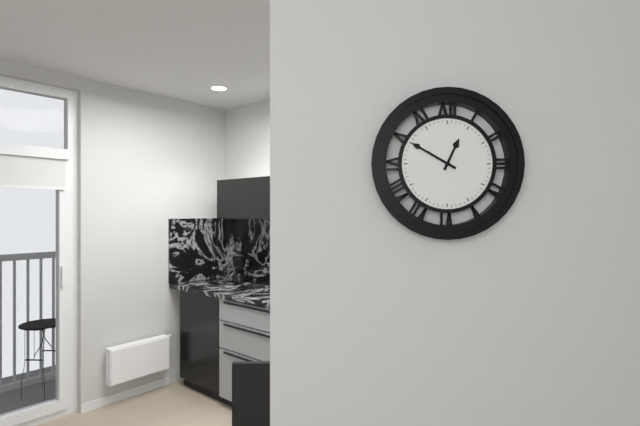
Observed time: 12:50
